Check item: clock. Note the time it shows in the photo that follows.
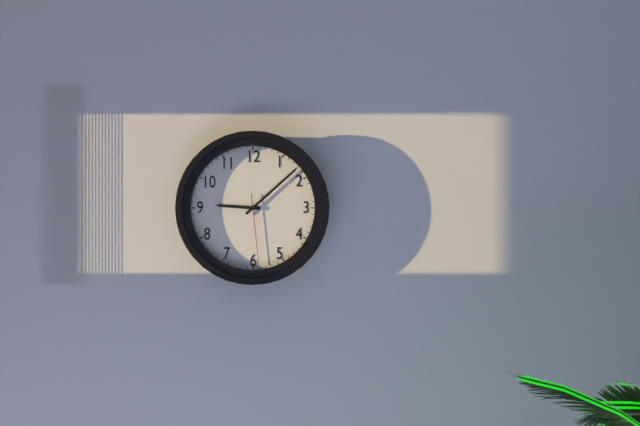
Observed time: 9:08:29
